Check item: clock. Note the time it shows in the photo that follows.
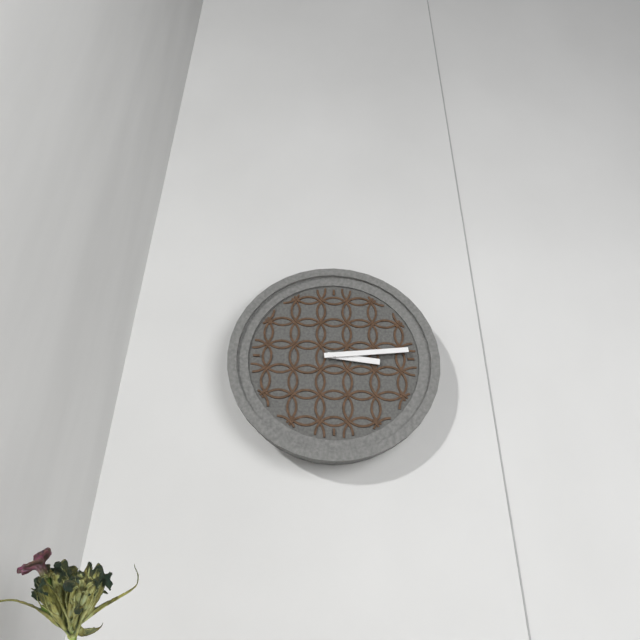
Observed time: 3:14
